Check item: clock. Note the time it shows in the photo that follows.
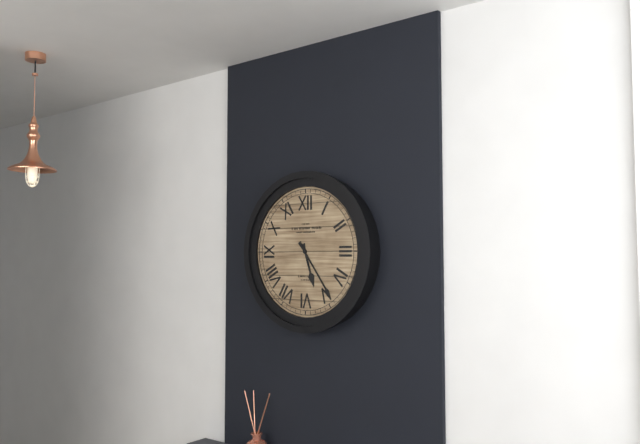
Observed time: 5:24
